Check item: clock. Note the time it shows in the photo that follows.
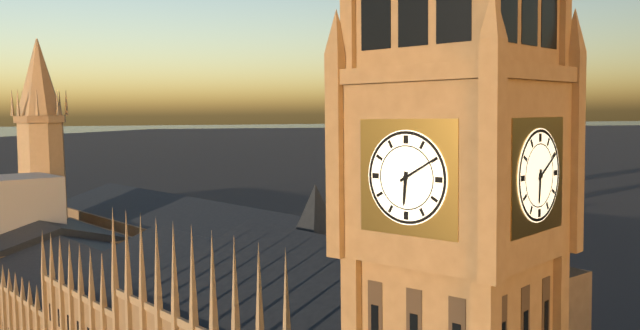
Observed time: 6:10
